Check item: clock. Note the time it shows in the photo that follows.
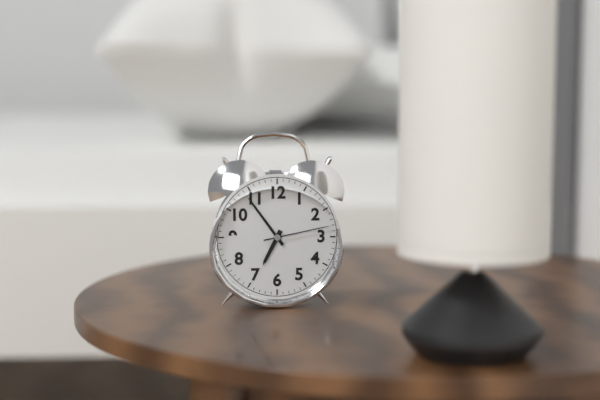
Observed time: 6:54:13
